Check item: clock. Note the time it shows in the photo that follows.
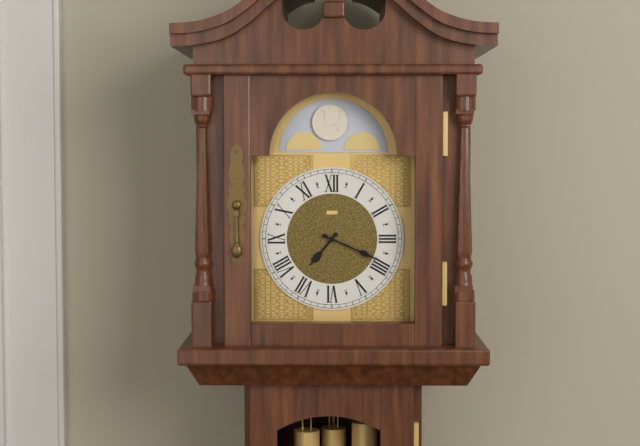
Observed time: 7:19
